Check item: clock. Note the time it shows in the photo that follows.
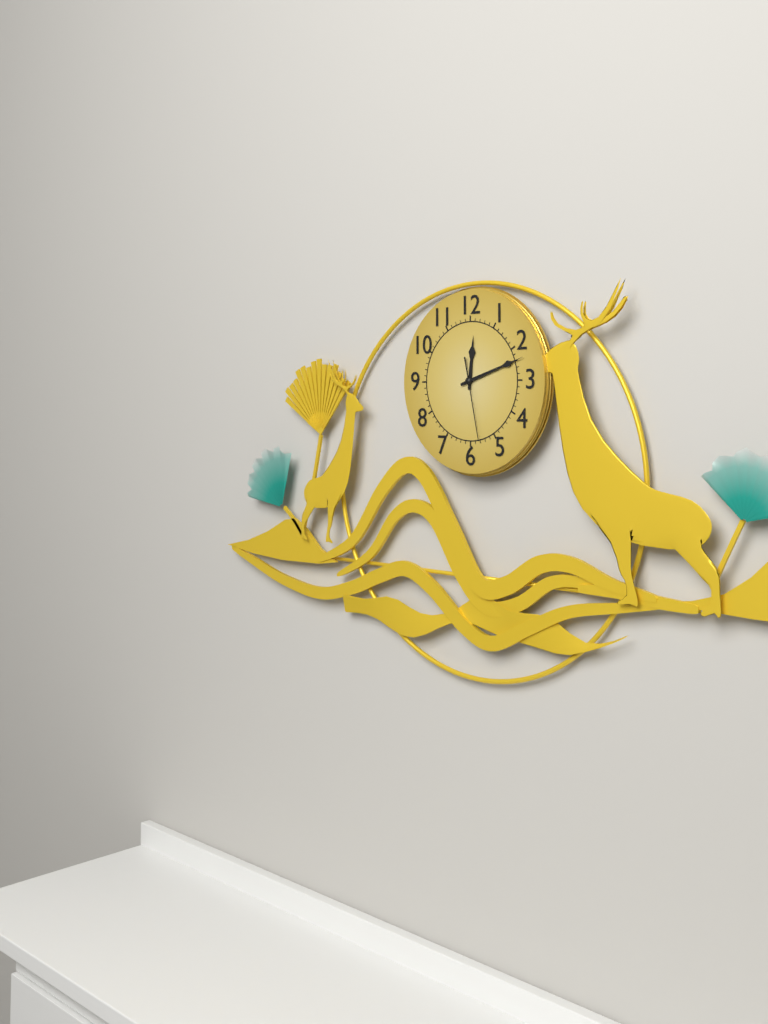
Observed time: 12:12:28
